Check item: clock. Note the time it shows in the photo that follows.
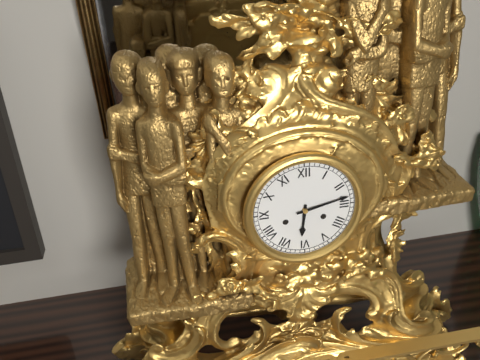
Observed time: 6:13
